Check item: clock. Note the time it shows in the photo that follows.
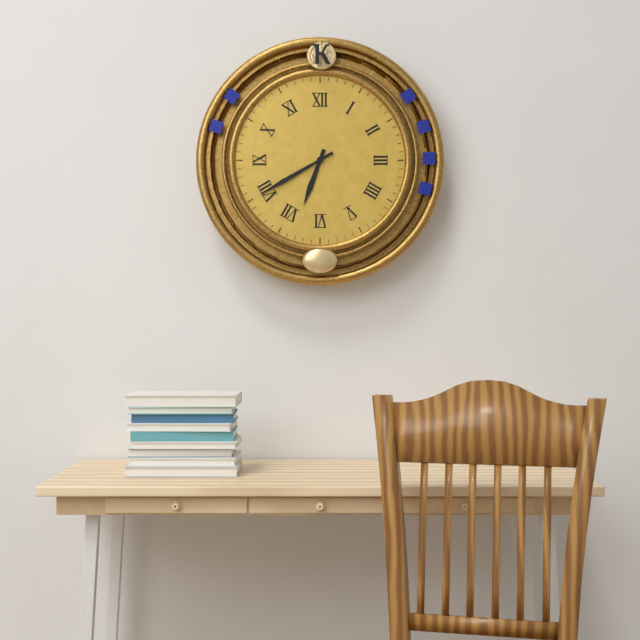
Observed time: 6:40
